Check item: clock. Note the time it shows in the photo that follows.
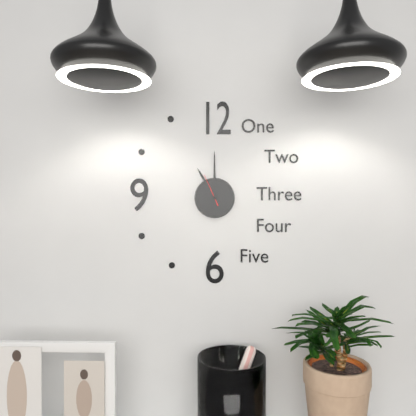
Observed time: 11:00
